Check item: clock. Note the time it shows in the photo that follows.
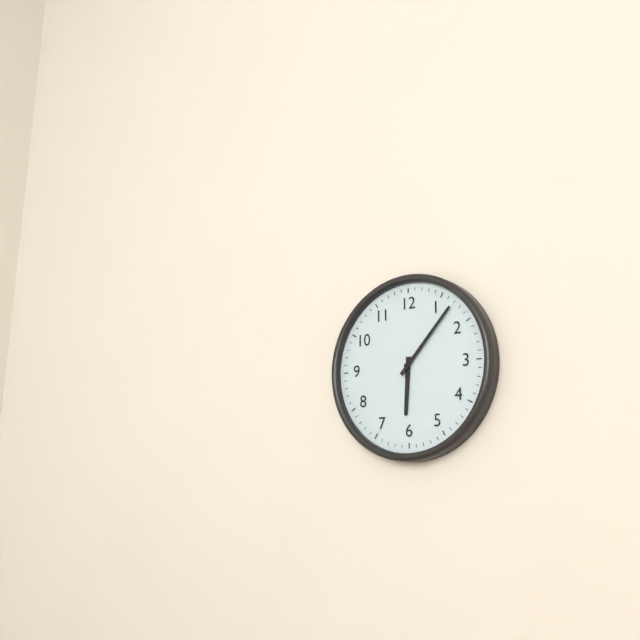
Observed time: 6:07
